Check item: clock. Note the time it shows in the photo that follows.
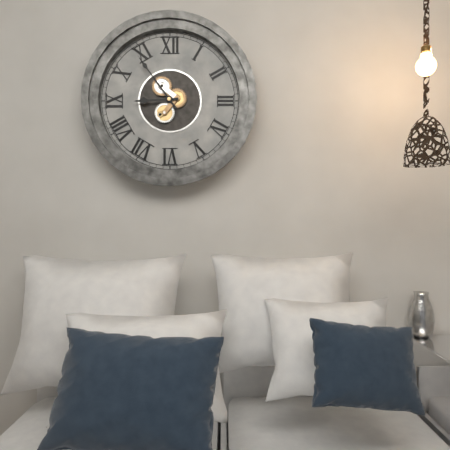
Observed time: 8:54
